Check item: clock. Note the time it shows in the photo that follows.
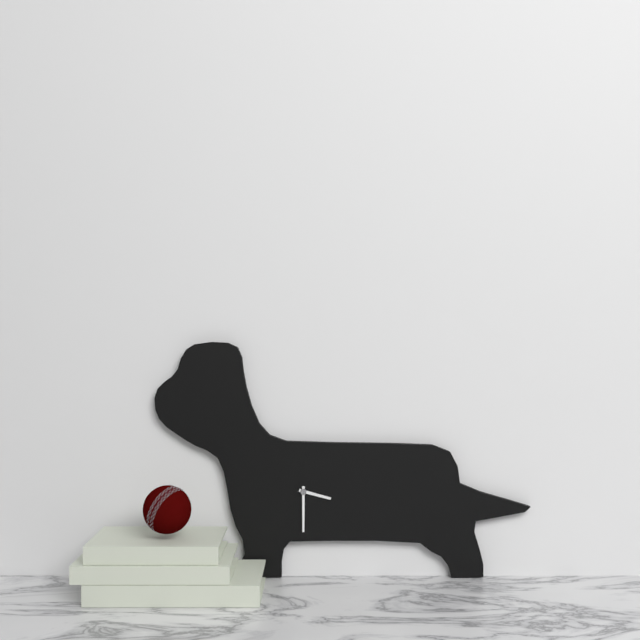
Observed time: 3:30
